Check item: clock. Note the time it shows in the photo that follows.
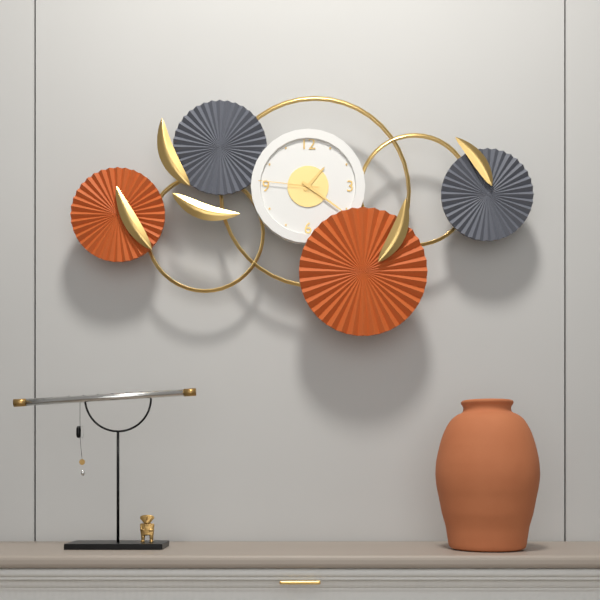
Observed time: 1:21:46
